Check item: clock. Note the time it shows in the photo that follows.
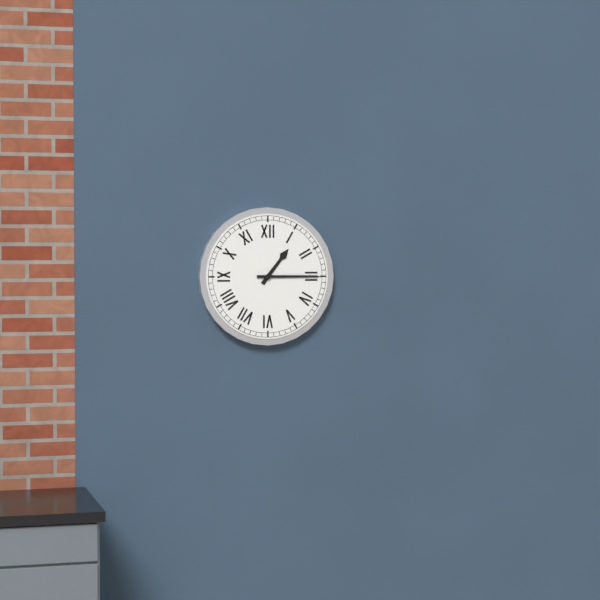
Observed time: 1:15
